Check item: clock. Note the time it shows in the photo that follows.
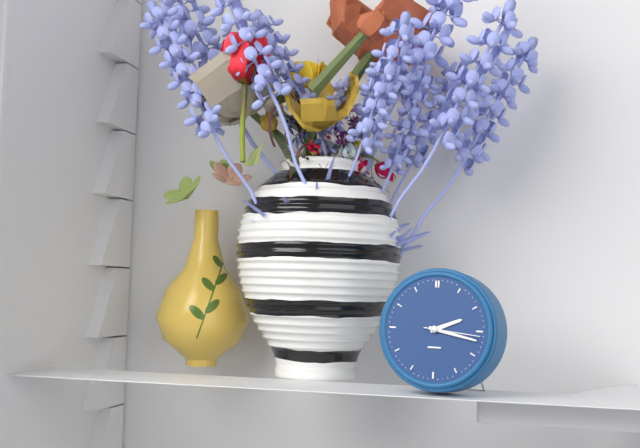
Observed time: 2:17:16
